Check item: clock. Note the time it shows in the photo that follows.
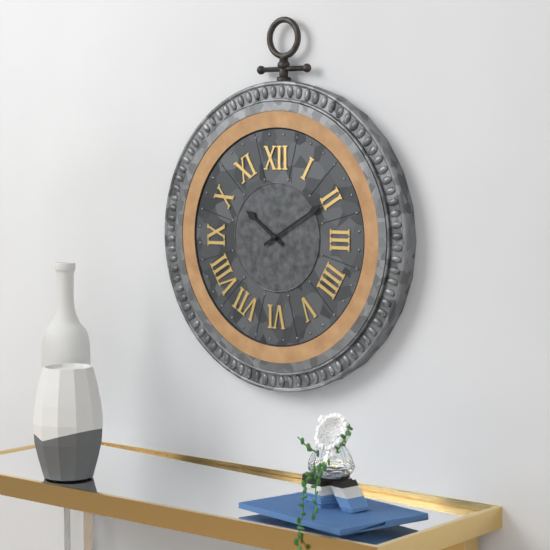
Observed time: 10:10
